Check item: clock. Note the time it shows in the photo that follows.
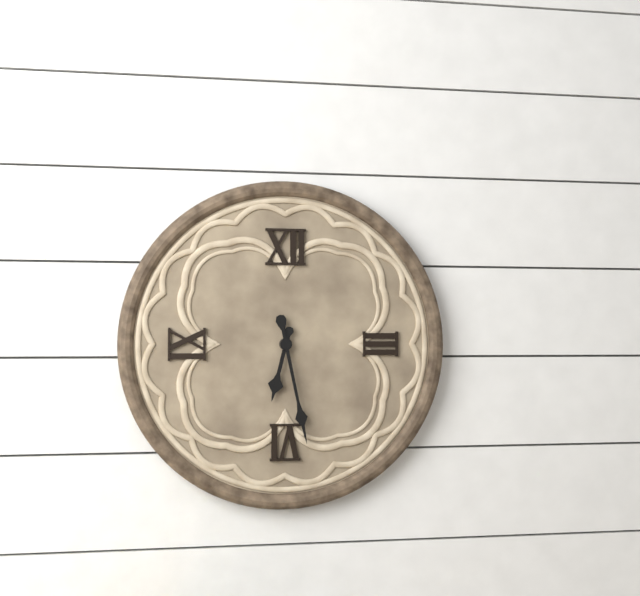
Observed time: 6:28
